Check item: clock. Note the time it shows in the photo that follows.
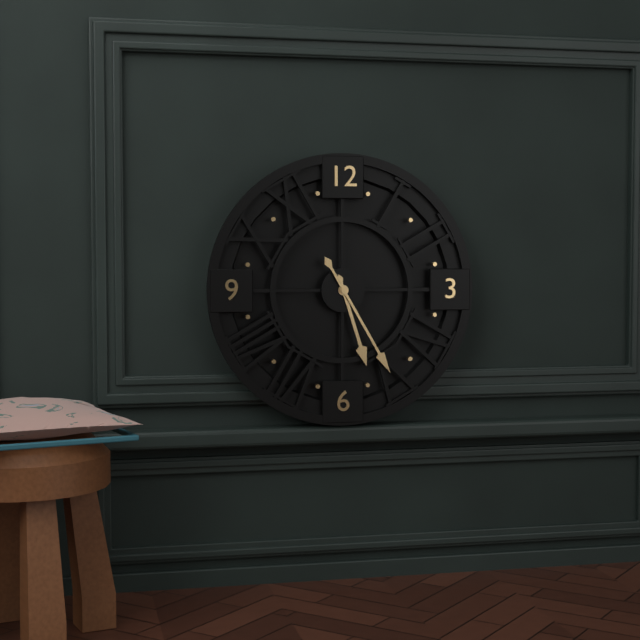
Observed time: 5:25
